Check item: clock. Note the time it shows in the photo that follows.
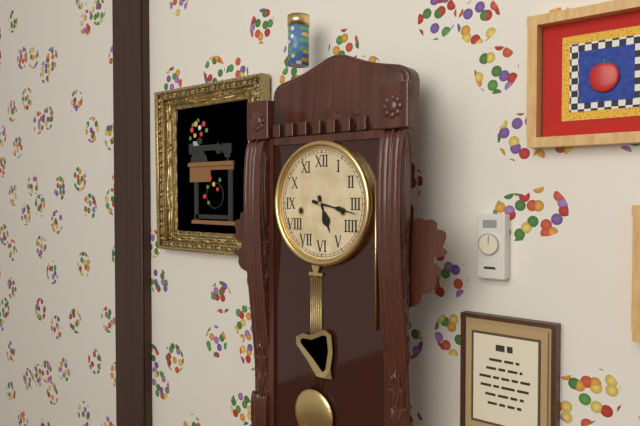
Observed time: 5:17
